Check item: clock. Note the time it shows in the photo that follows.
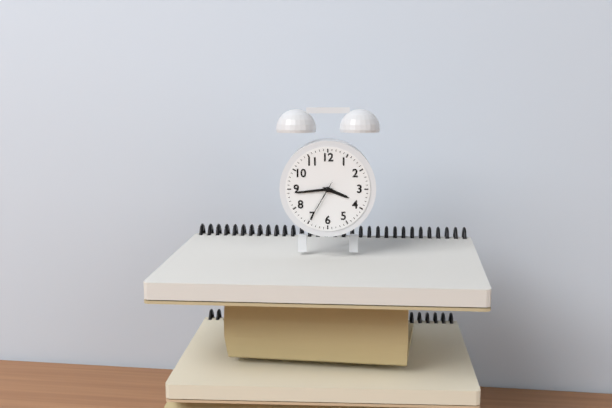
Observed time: 3:44
